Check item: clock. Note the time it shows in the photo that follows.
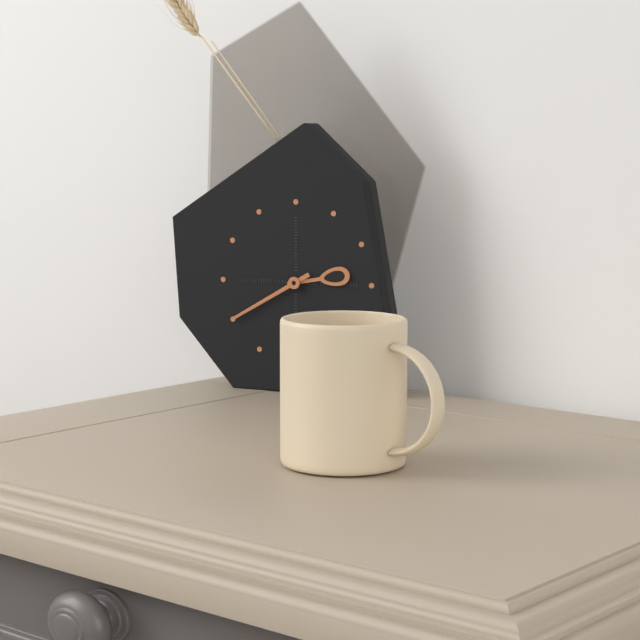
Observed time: 2:40
